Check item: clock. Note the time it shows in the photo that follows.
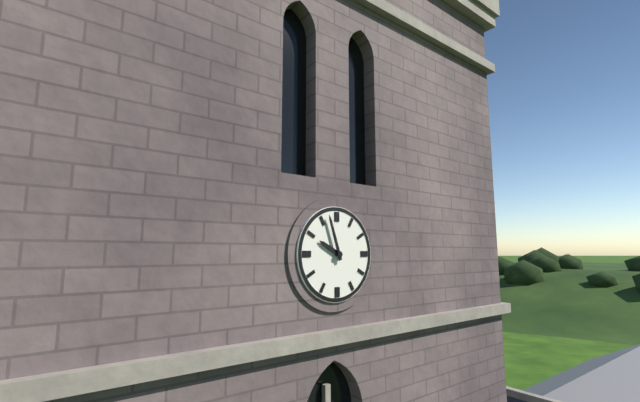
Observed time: 9:57
